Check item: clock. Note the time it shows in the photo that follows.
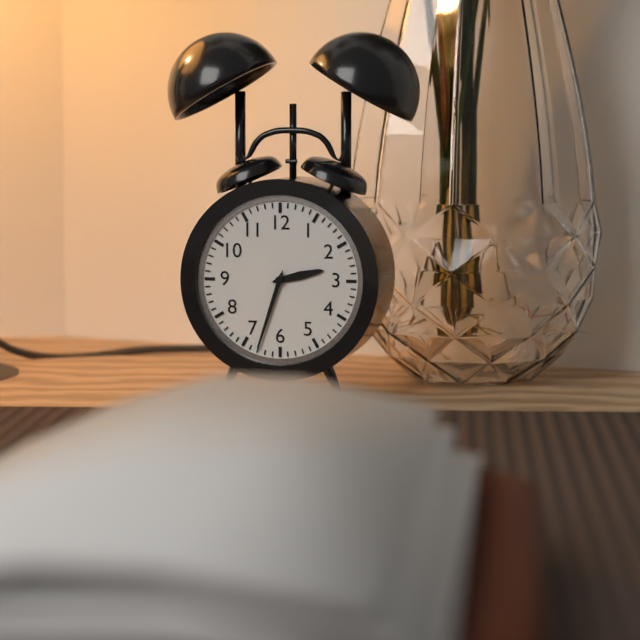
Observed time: 2:33
